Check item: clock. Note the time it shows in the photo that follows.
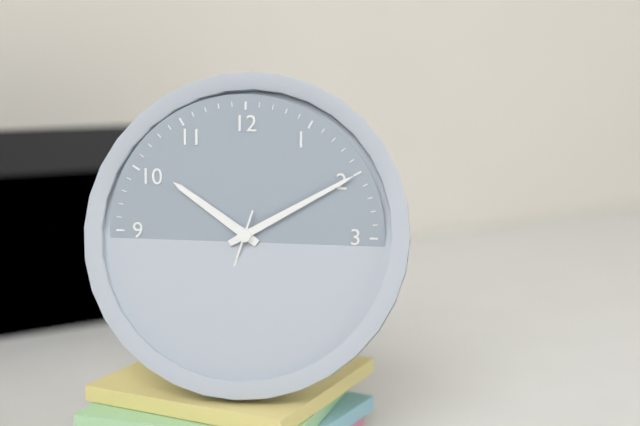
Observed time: 10:10
